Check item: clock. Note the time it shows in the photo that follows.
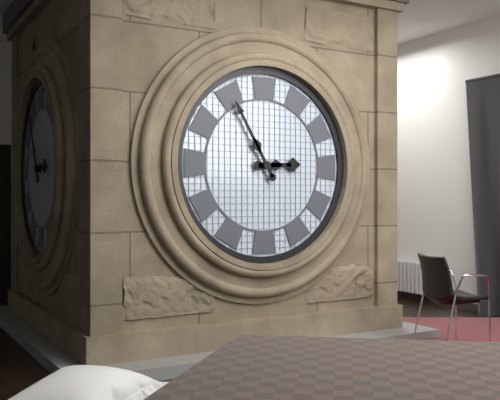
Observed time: 2:55
